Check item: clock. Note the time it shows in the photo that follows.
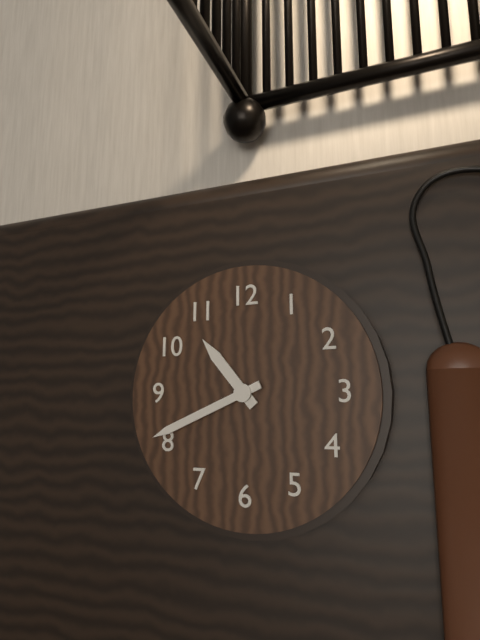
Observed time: 10:41
